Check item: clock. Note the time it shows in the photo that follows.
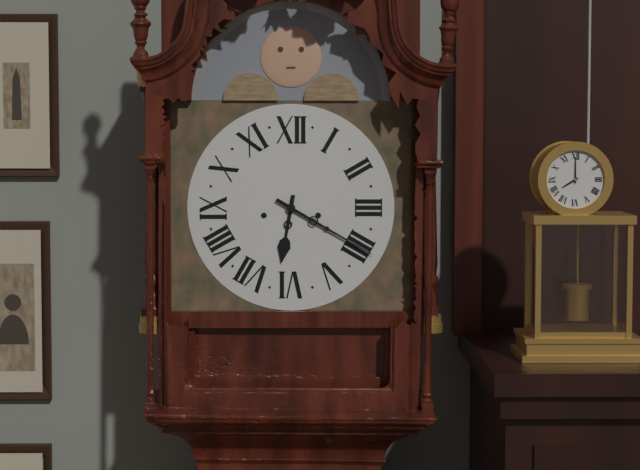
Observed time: 6:20
